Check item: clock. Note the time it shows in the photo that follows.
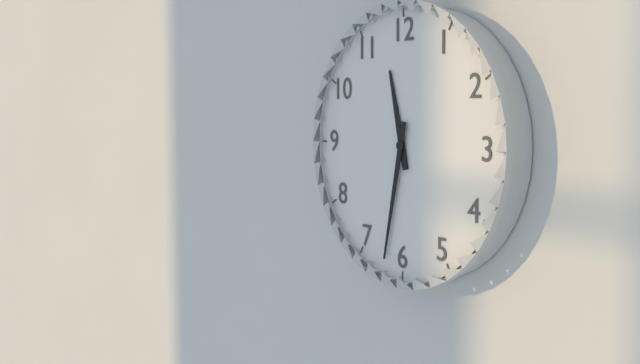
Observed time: 11:32
